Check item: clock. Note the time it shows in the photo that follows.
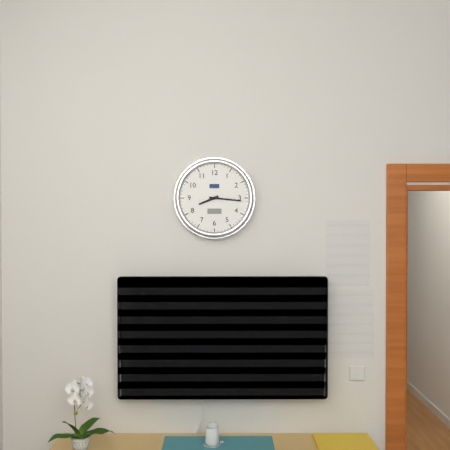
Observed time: 8:16
